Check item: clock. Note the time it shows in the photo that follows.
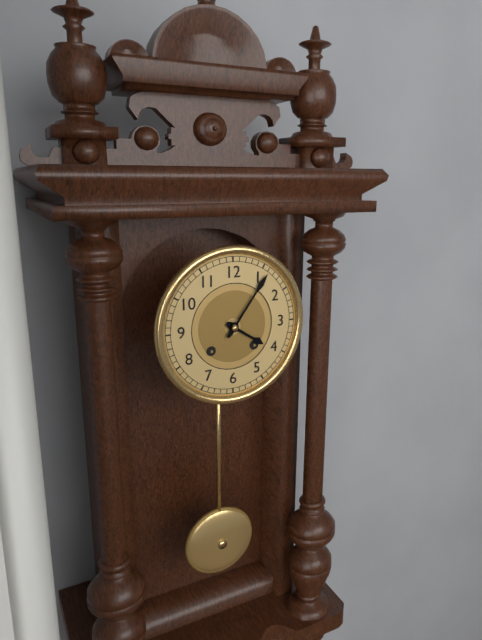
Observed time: 4:06
